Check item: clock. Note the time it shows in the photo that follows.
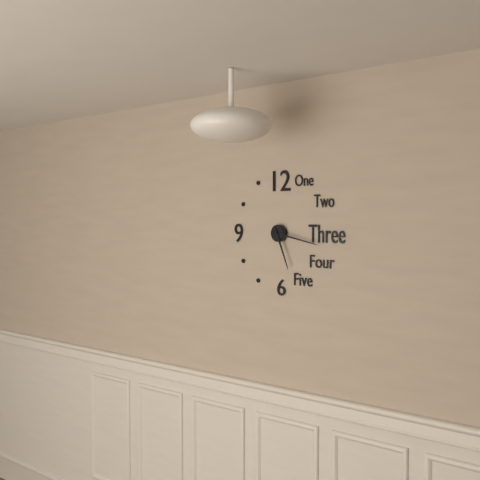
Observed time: 5:17
